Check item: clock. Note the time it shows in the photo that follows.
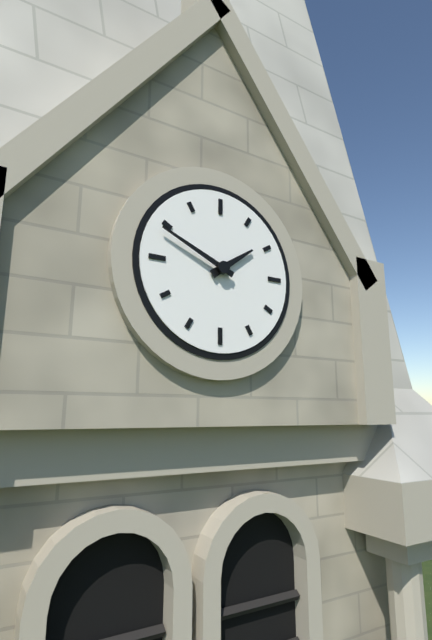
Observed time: 1:49
